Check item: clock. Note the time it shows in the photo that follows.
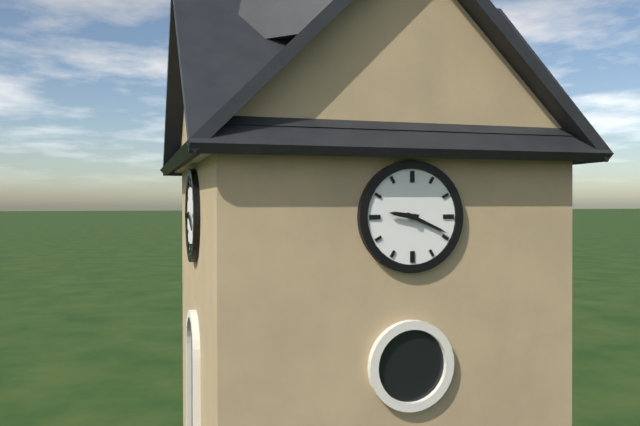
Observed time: 9:19
